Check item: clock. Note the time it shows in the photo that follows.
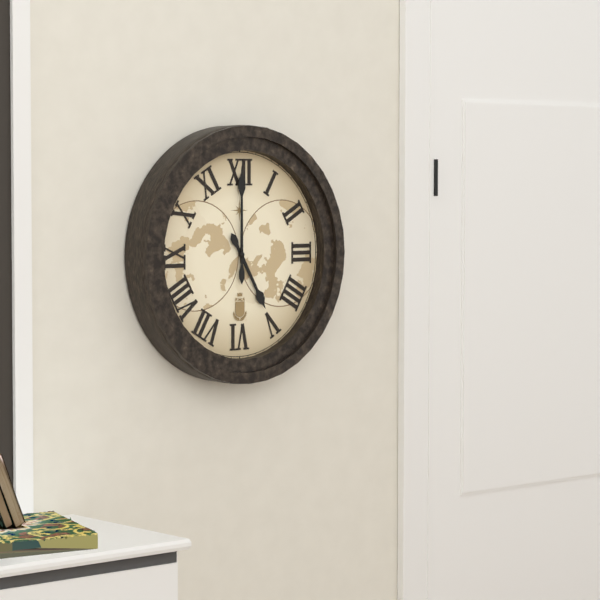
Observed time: 5:00
